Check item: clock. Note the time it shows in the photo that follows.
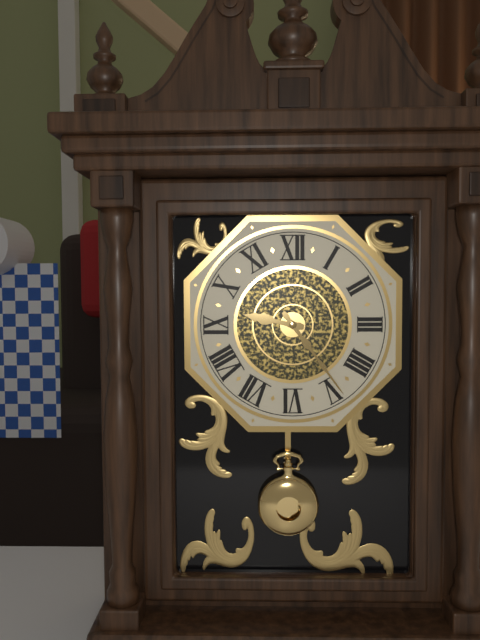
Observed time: 9:24
